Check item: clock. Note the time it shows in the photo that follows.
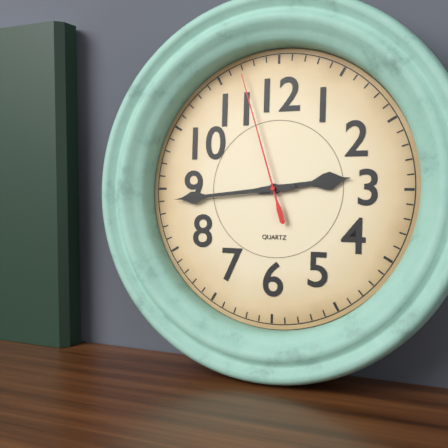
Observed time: 2:44:57
